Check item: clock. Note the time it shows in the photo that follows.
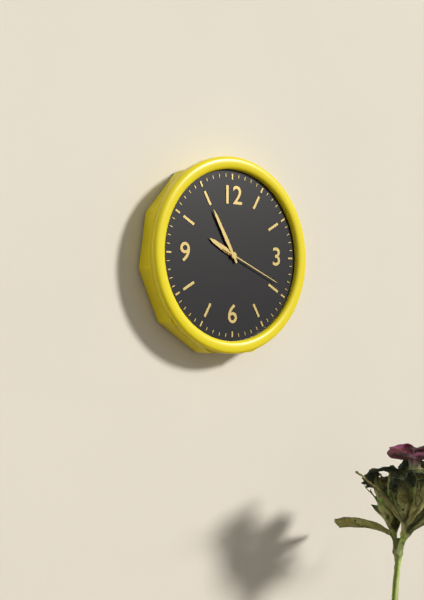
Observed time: 9:55:19
